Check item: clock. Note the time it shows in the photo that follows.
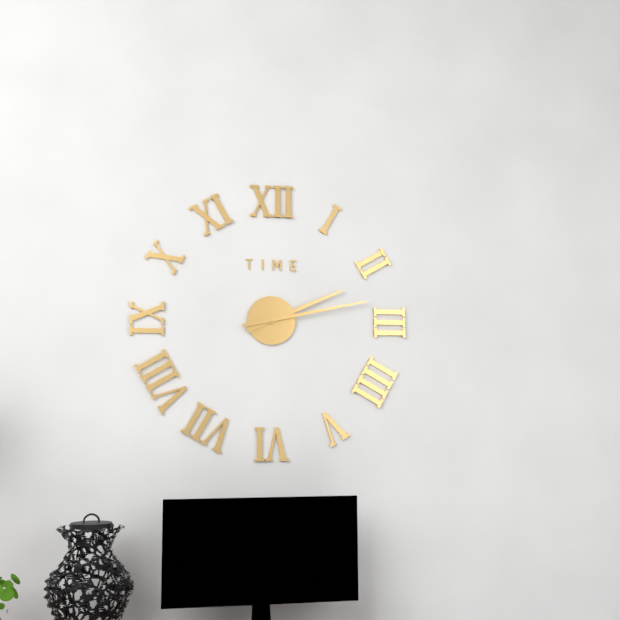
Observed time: 2:13
